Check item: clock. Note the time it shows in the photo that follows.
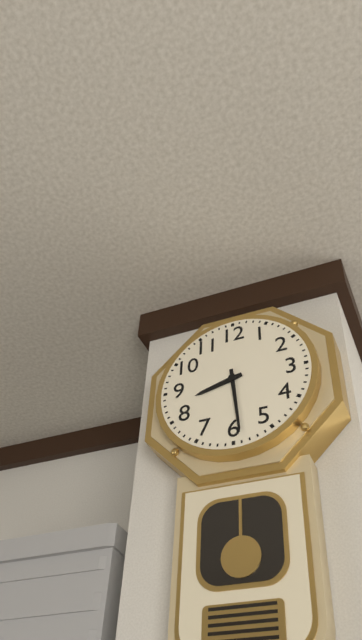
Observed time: 8:29
